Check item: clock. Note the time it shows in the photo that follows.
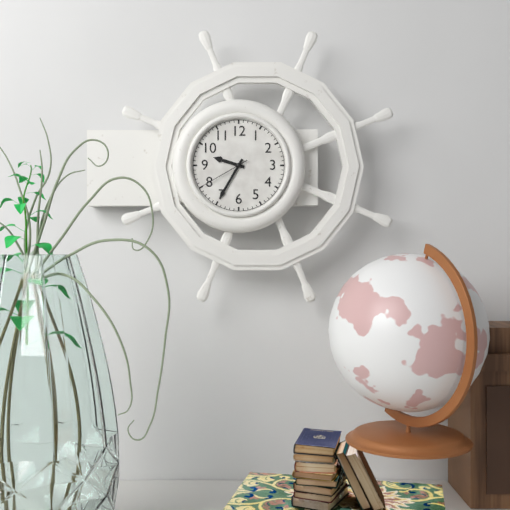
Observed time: 9:35:40
